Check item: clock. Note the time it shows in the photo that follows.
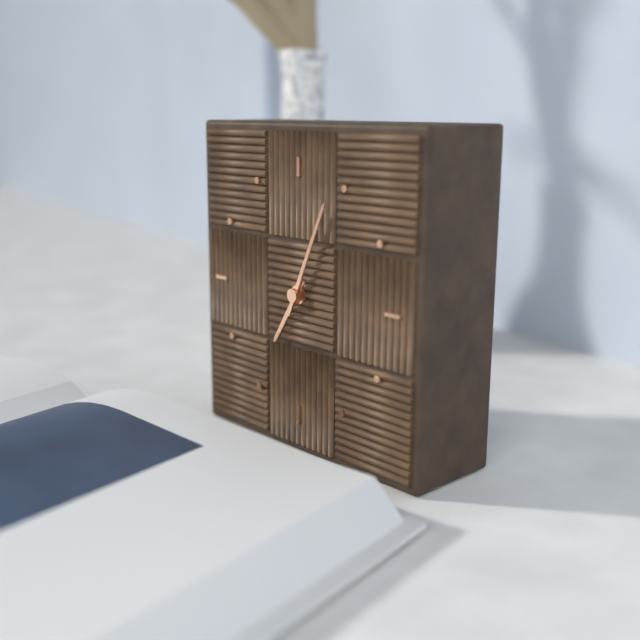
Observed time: 7:04
